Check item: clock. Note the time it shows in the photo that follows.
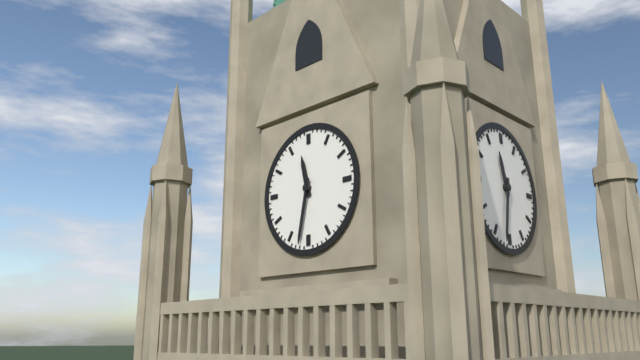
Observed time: 11:32
